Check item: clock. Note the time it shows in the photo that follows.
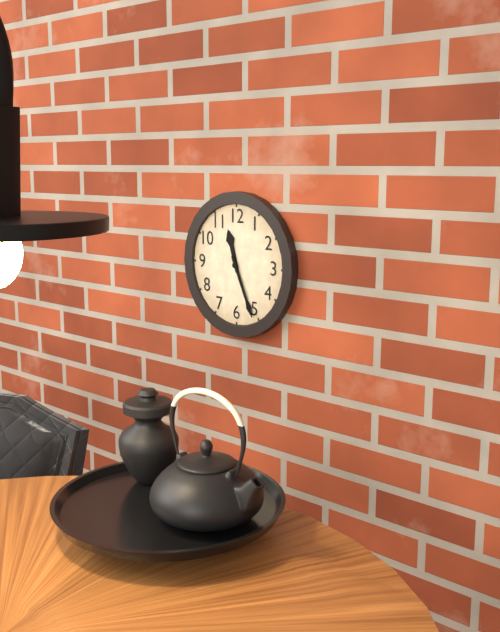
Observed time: 11:26
